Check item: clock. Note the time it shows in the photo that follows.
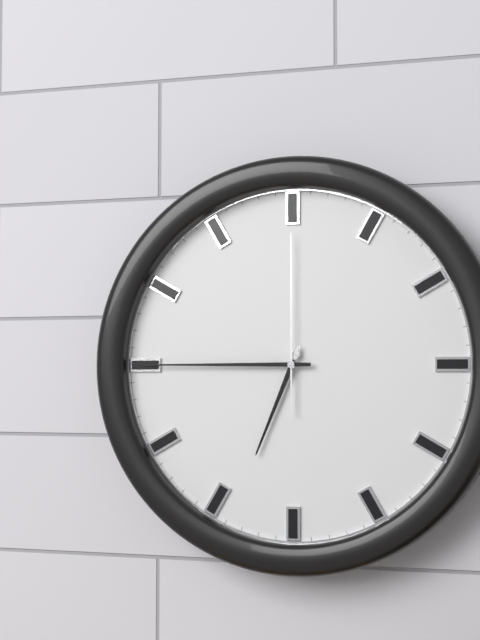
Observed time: 6:45:00
